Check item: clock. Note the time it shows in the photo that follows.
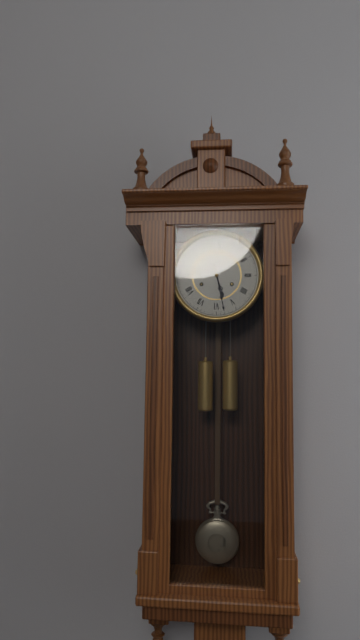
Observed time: 5:28
